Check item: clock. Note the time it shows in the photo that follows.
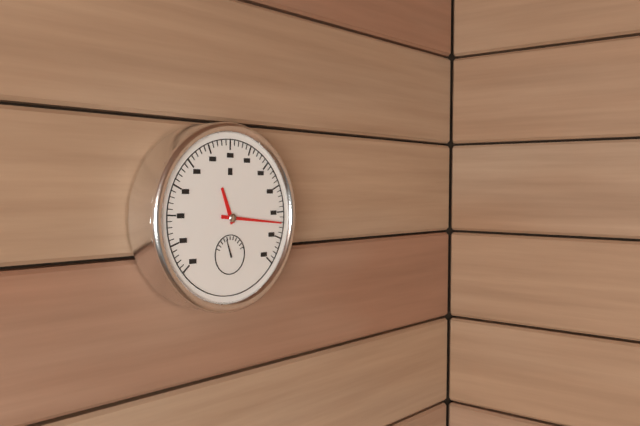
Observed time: 11:16
